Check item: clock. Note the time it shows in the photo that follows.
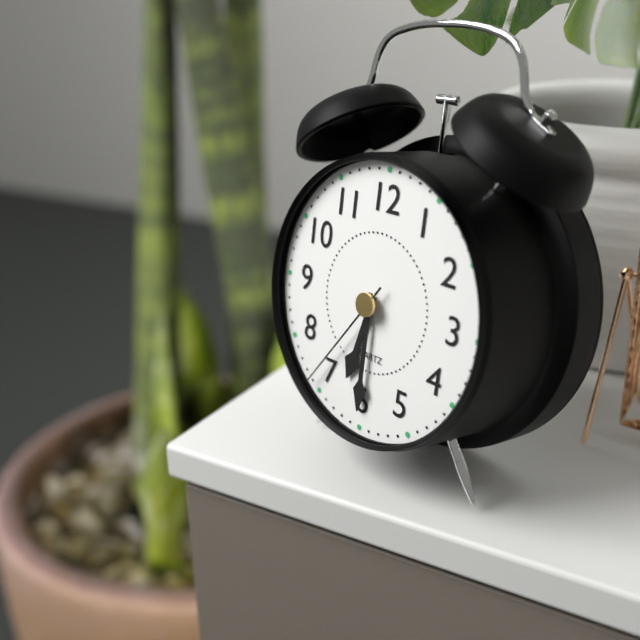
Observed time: 6:30:36
